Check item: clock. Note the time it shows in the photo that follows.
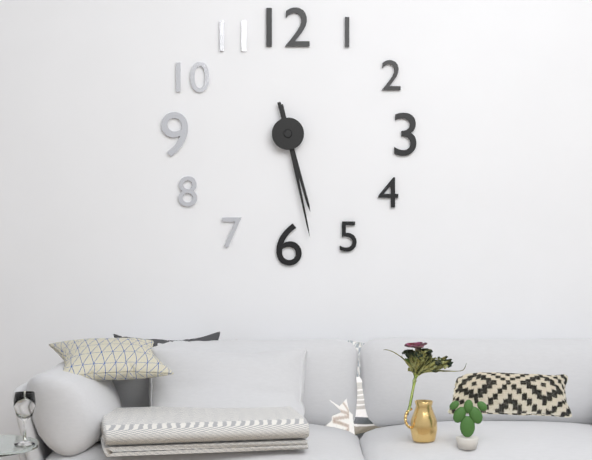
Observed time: 5:28
